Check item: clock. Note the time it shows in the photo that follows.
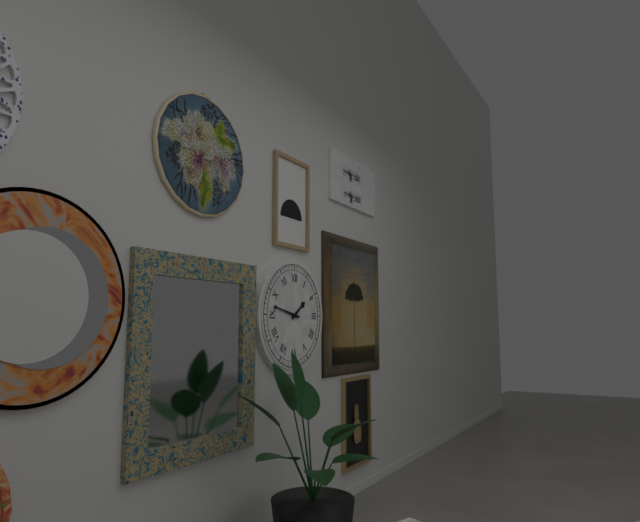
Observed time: 1:47
